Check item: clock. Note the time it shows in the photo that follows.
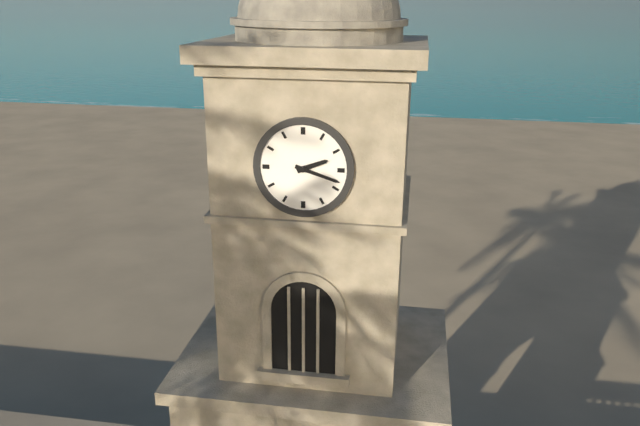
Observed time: 2:18
